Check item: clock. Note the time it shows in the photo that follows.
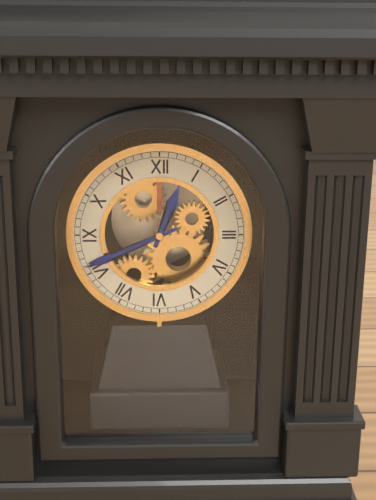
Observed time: 12:41
